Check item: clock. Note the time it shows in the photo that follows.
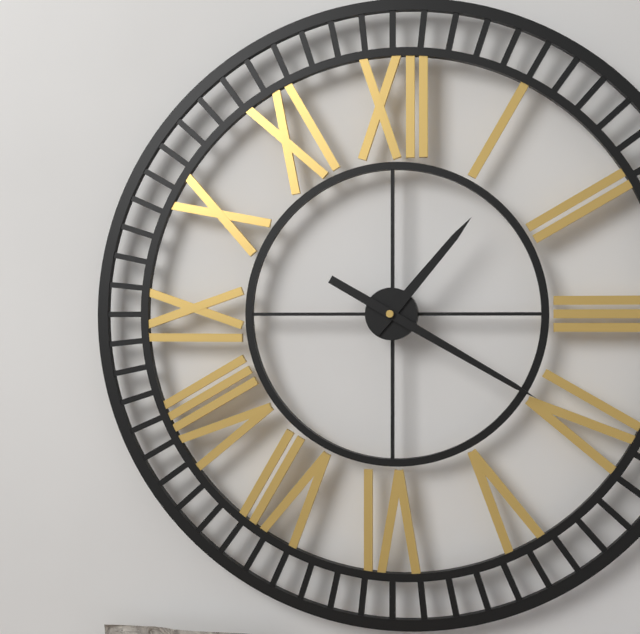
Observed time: 1:20
